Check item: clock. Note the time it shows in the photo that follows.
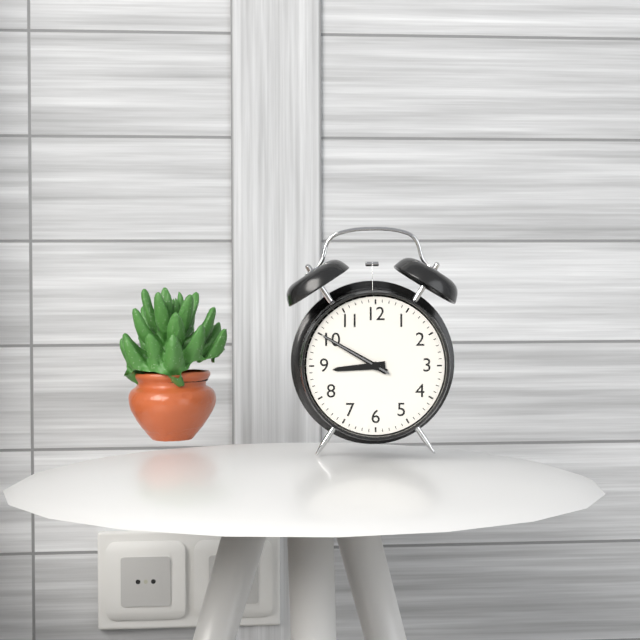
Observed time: 8:50:50
